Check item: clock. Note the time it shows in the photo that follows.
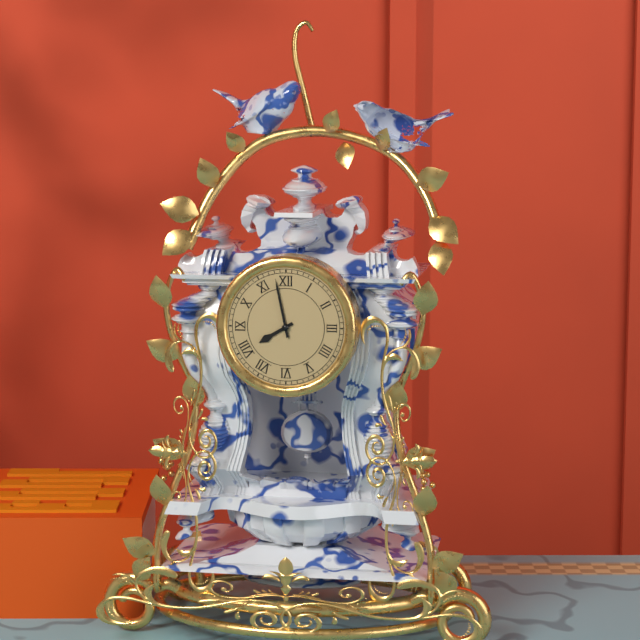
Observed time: 7:58
